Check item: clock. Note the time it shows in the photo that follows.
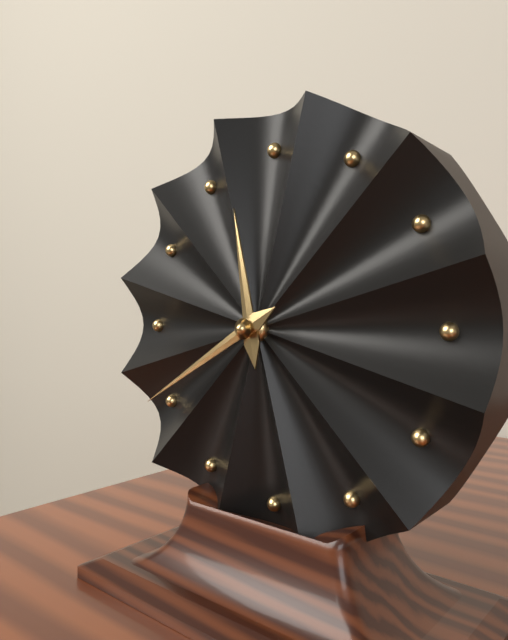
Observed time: 11:40
